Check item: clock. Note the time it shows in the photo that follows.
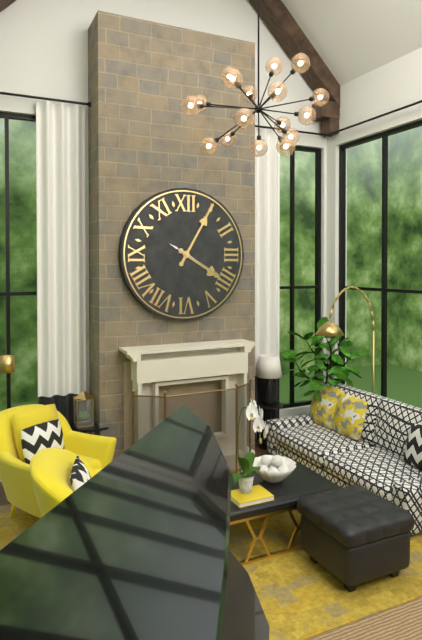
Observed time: 4:05
